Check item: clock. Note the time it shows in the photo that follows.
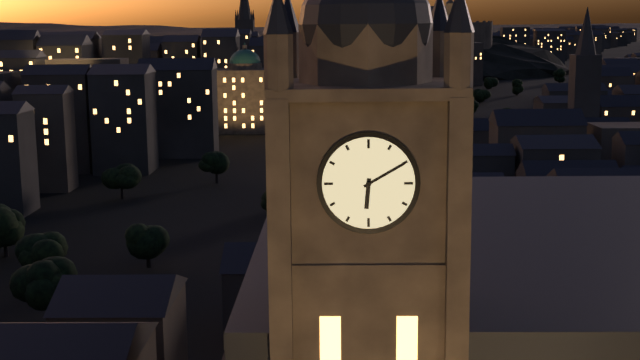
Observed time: 6:10
